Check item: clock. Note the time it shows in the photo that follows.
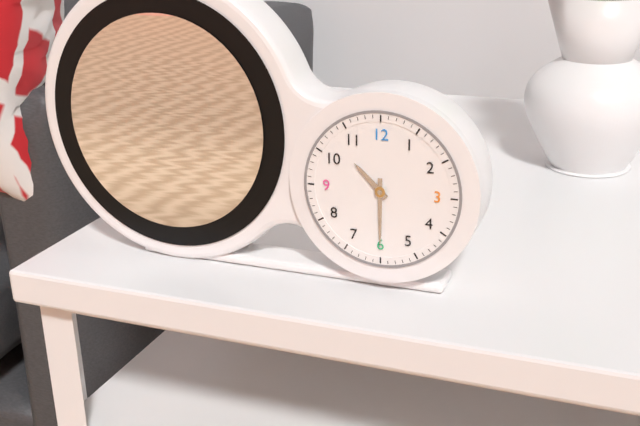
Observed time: 10:30
